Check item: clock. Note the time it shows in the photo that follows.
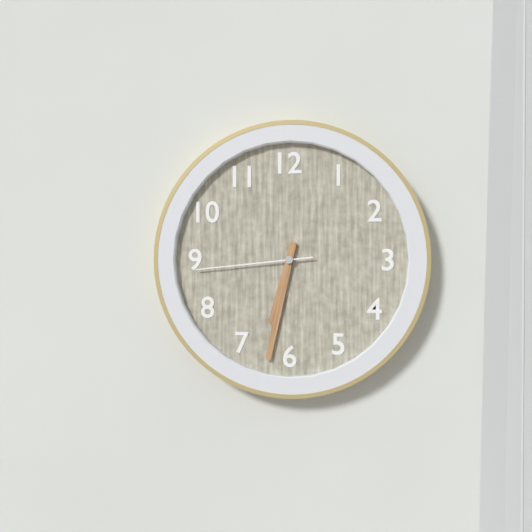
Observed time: 6:32:44
